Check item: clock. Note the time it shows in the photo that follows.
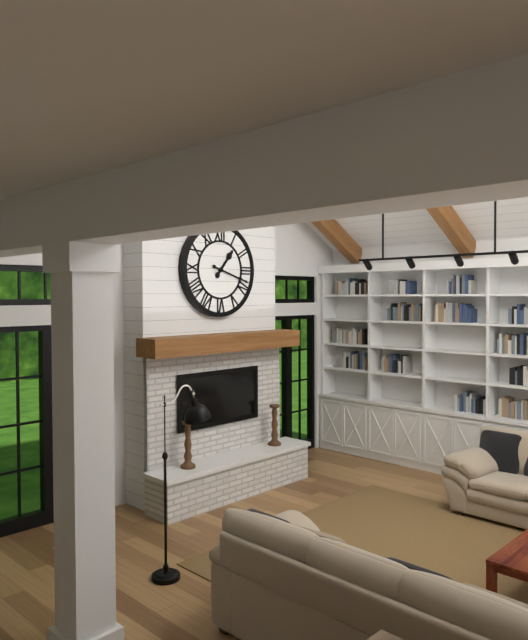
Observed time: 1:18
